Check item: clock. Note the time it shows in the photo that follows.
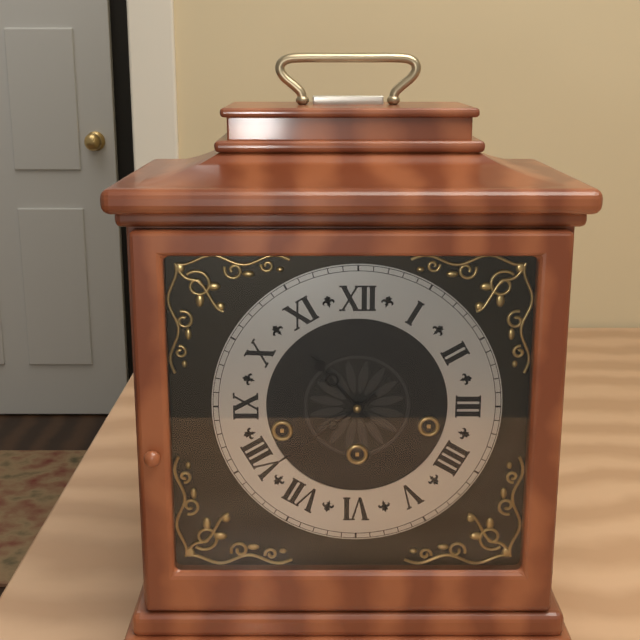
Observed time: 10:39
